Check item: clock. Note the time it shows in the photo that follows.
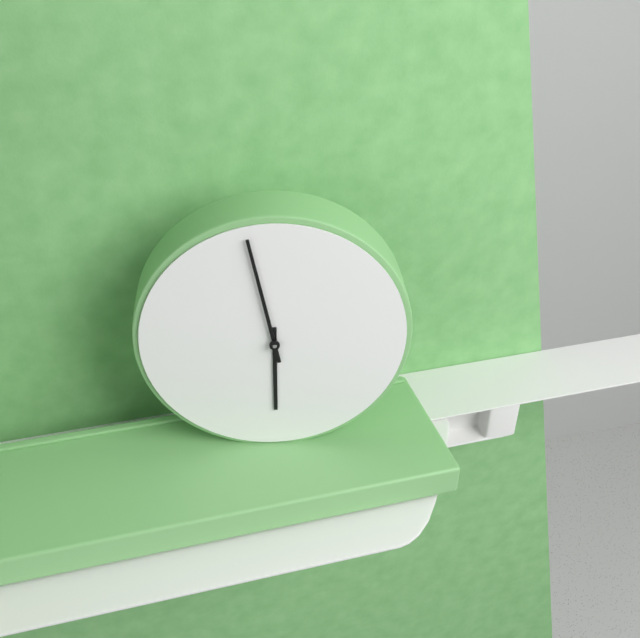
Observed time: 5:58
